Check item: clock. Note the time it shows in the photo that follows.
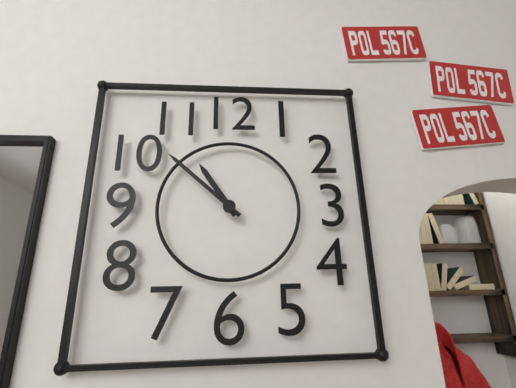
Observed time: 10:52
